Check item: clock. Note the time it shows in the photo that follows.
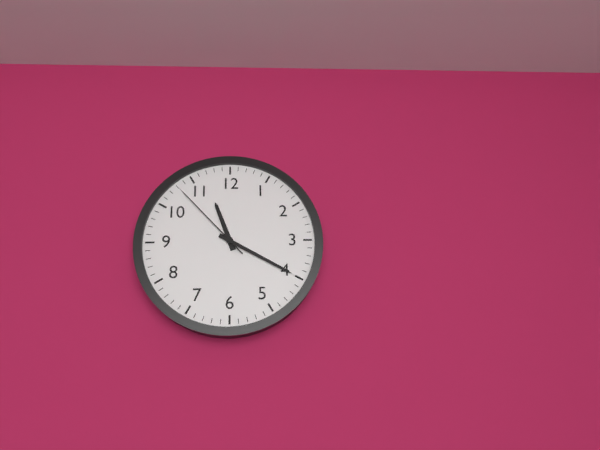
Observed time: 11:20:53
